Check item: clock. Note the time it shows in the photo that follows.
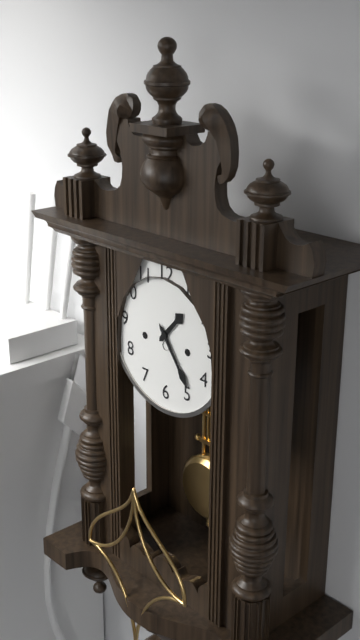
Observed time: 1:24
